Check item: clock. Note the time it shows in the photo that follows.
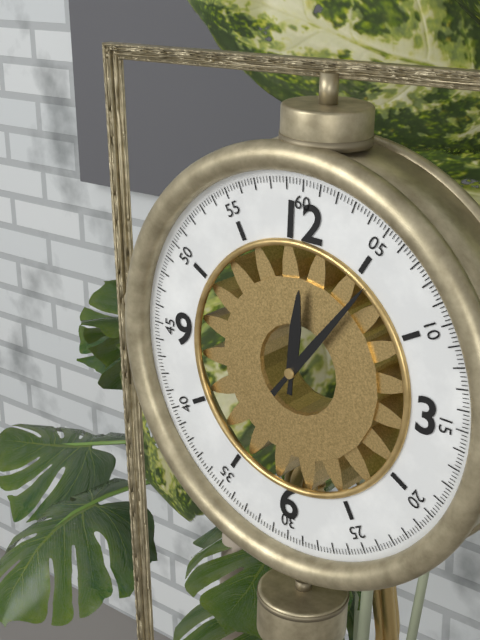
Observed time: 12:06
